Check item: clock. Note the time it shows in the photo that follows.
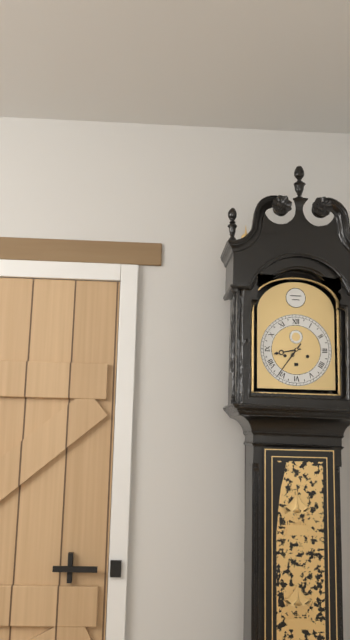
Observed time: 8:36
